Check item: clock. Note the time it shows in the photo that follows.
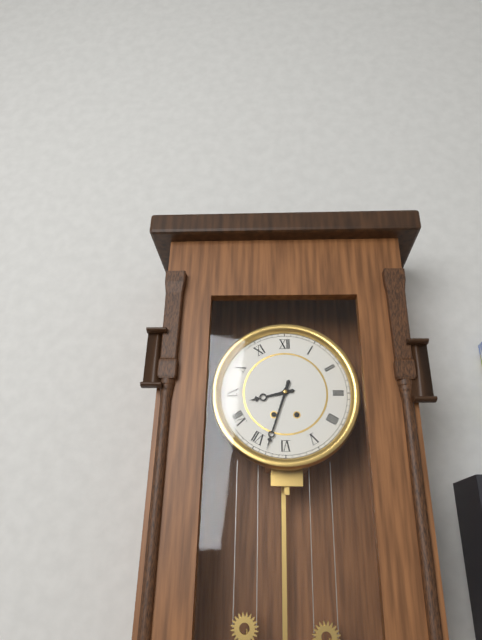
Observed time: 8:33
